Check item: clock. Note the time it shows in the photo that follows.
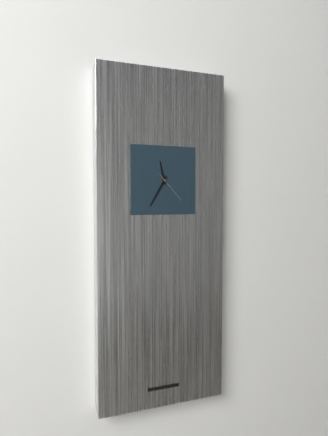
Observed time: 11:35
